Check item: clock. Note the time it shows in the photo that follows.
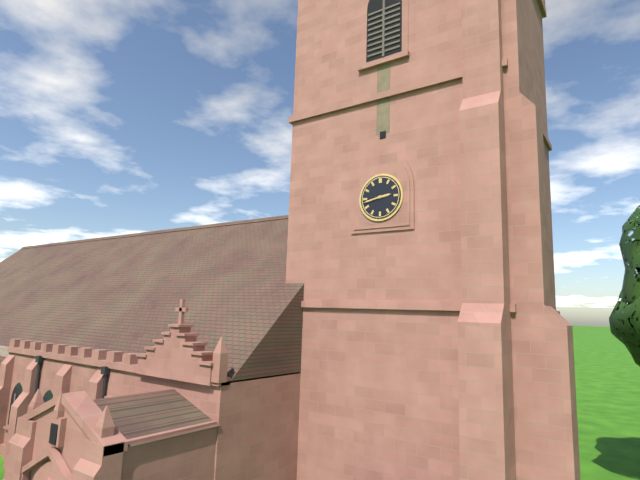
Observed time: 2:43
